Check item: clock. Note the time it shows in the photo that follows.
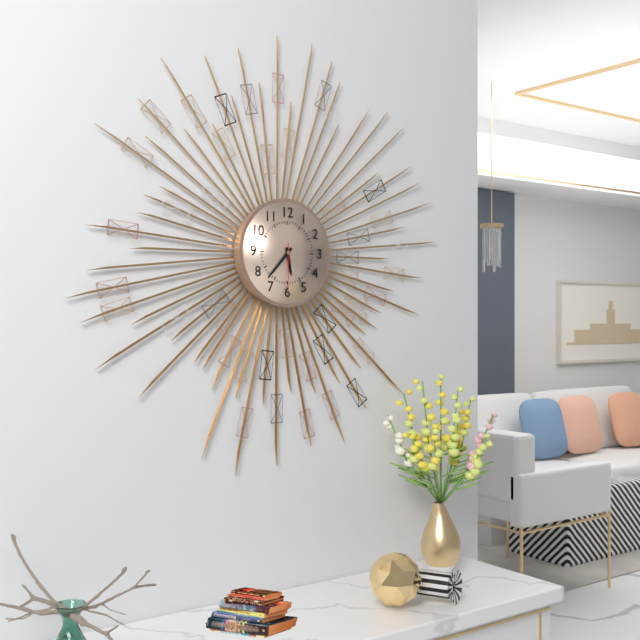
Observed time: 5:37:30
